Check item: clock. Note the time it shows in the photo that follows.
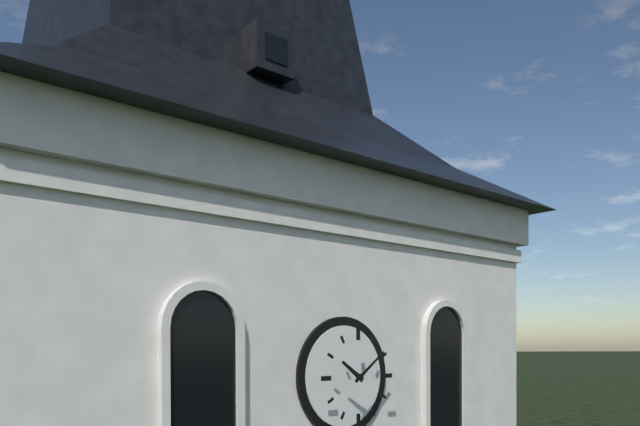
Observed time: 10:09
